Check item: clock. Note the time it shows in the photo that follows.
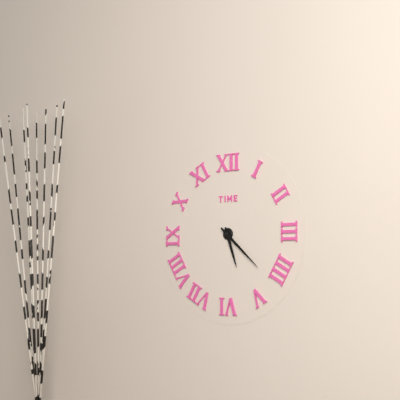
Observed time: 5:22
